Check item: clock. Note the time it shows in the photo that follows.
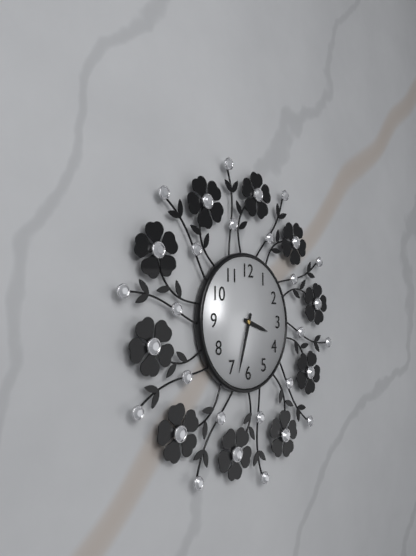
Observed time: 3:33
